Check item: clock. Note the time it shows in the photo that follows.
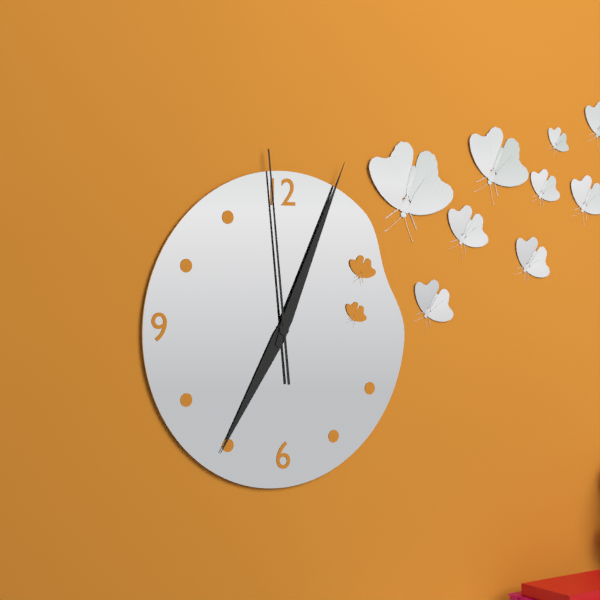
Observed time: 7:04:59
